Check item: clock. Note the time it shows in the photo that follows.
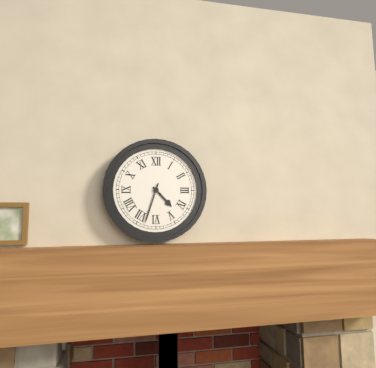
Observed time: 4:33
